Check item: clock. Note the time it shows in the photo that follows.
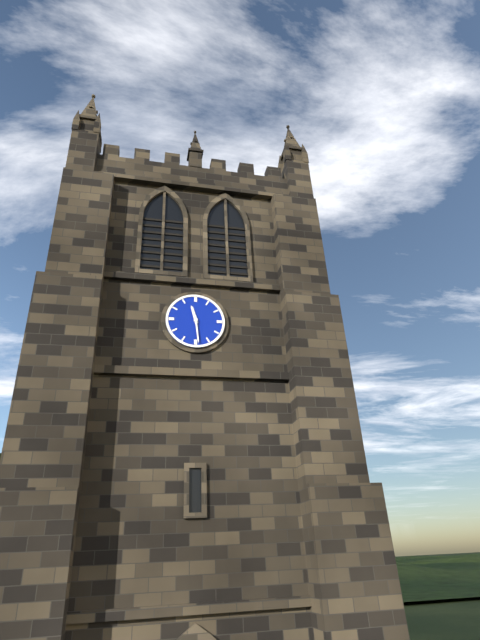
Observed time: 11:29
